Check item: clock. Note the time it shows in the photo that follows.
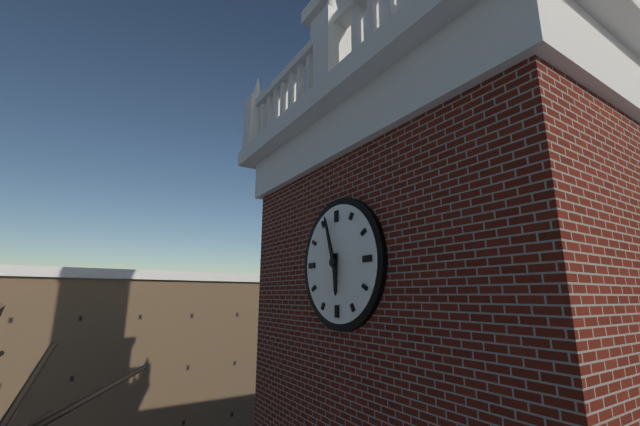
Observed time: 5:57
